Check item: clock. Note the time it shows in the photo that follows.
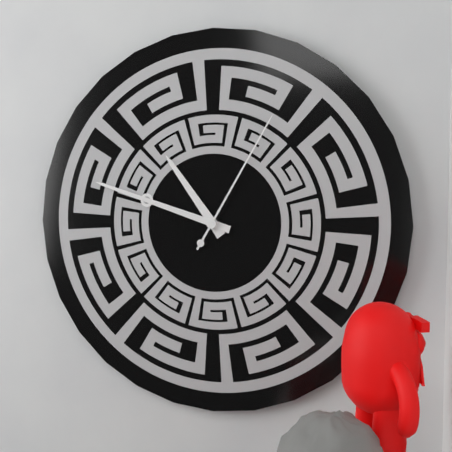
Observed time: 10:48:05
